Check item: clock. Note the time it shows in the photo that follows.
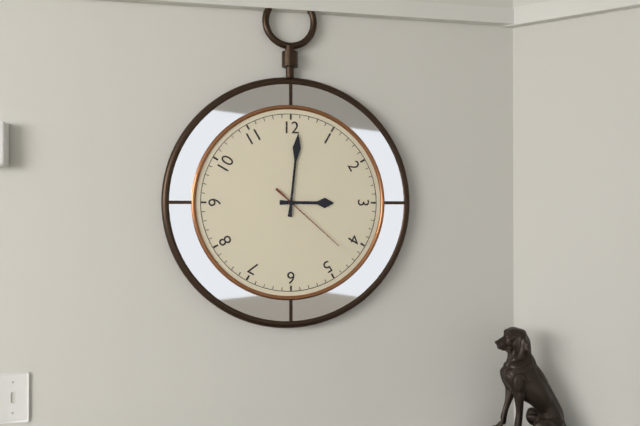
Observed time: 3:01:22
